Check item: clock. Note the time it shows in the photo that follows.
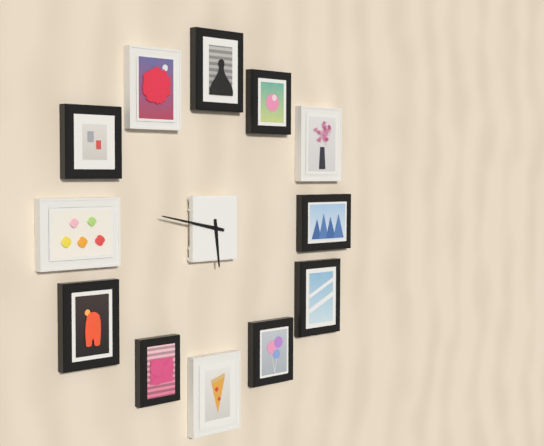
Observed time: 5:47
